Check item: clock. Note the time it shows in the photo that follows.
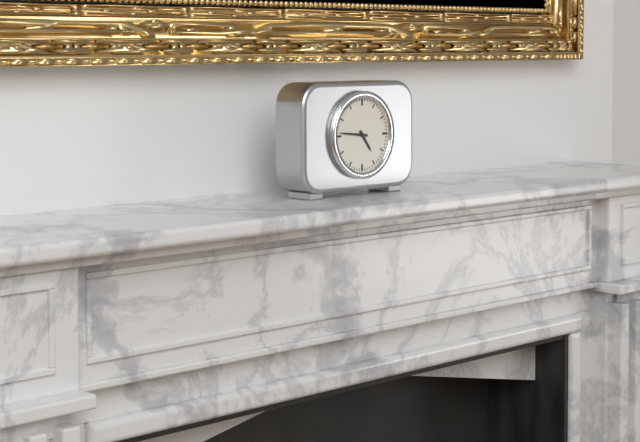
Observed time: 4:46
